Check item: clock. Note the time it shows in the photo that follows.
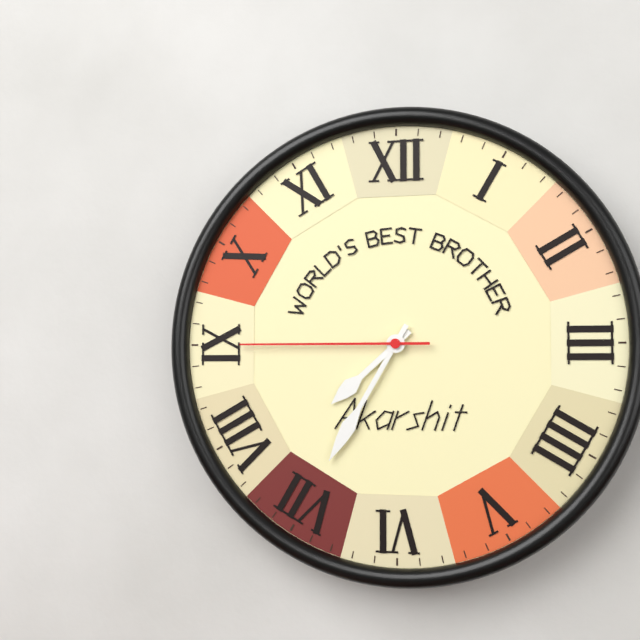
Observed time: 7:35:45
